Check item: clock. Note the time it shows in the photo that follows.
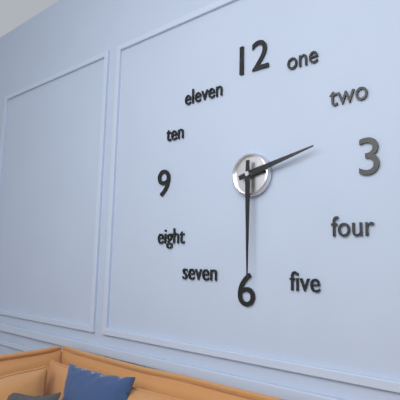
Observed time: 2:30
